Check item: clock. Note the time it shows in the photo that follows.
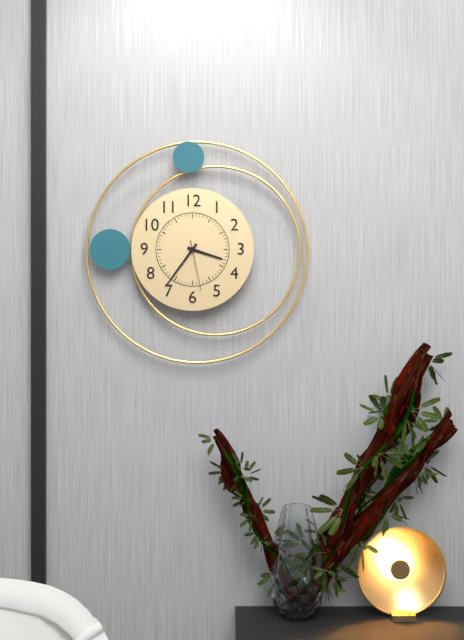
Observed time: 3:36:28
